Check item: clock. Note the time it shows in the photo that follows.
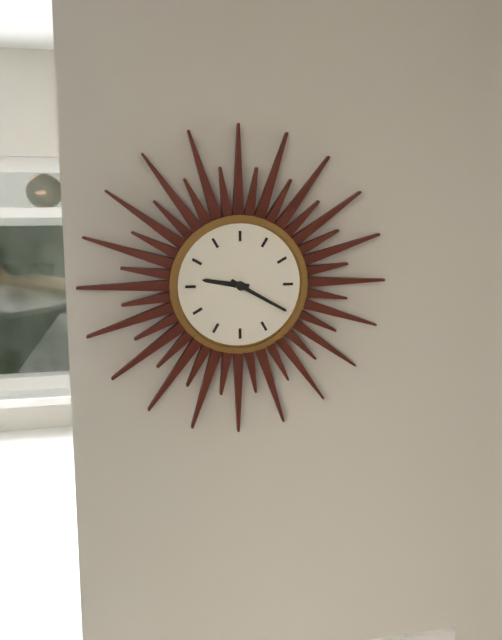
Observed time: 9:20
